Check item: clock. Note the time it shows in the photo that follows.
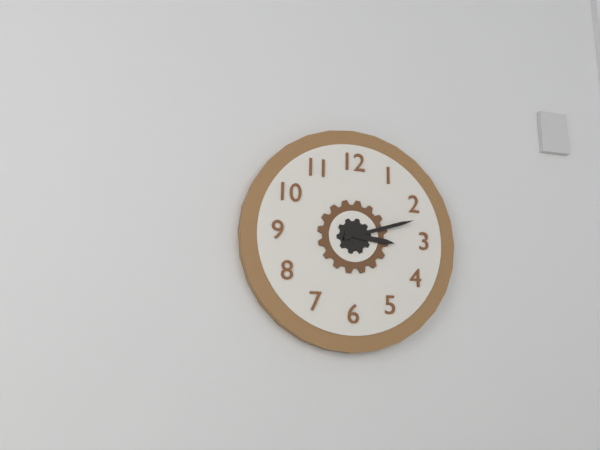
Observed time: 3:12
